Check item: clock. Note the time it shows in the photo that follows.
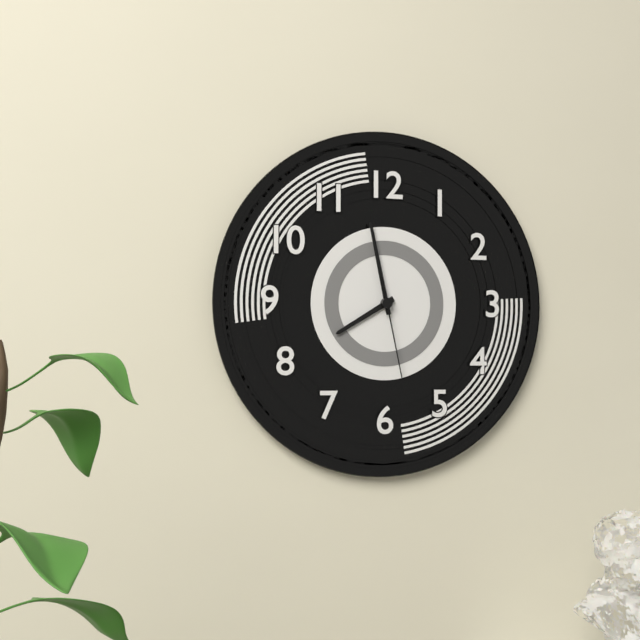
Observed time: 7:58:28
